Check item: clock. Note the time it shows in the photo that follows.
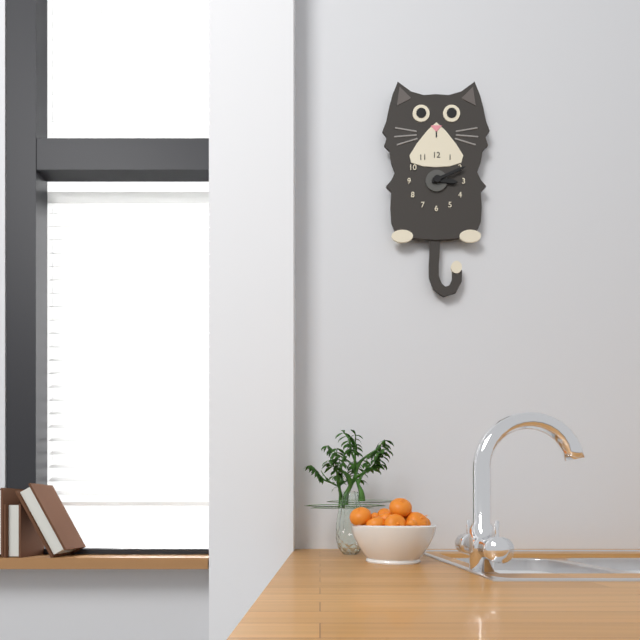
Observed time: 3:11
